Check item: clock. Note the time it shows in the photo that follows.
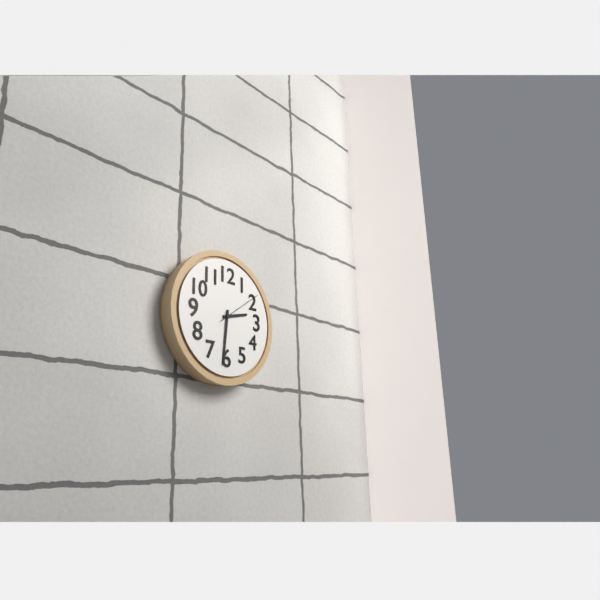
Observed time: 2:31
